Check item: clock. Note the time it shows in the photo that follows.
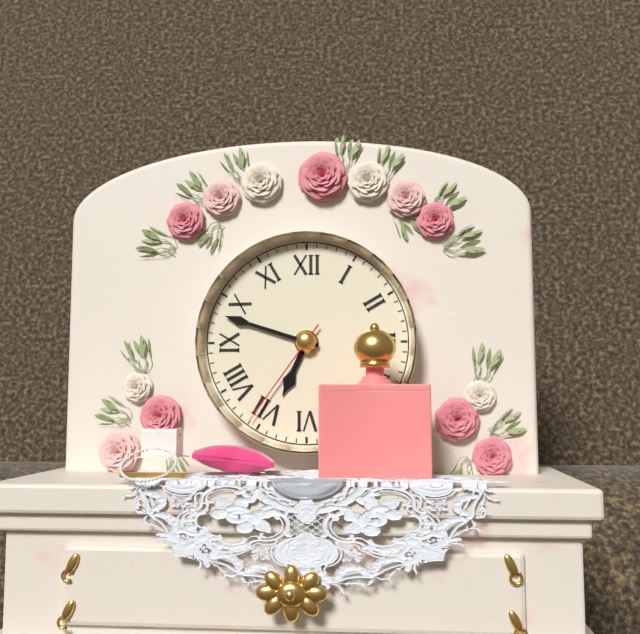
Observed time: 6:48:36
